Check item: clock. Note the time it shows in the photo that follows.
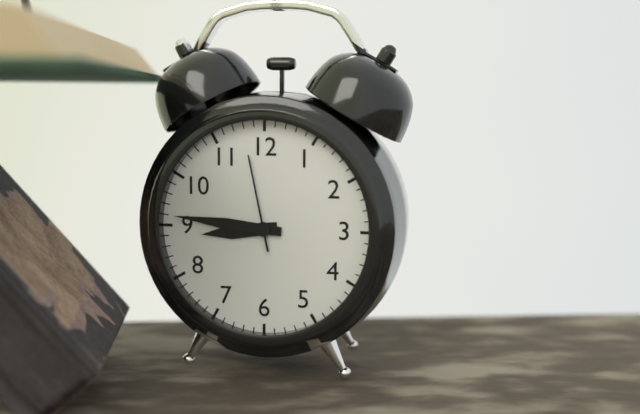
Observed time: 8:46:58
